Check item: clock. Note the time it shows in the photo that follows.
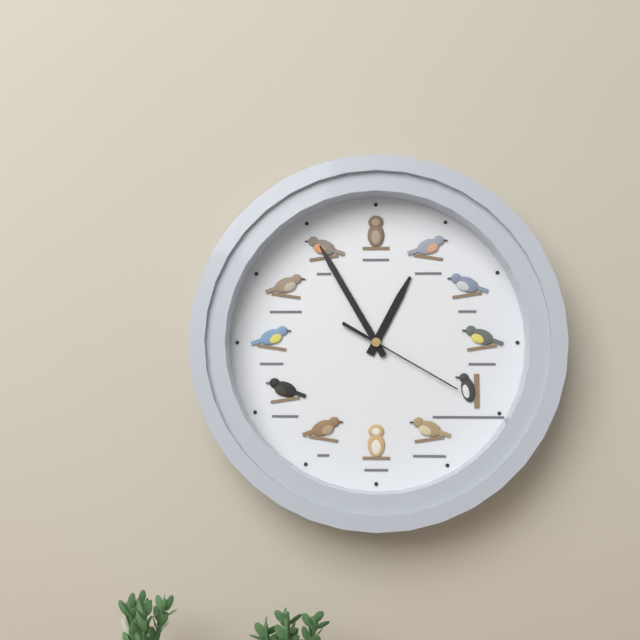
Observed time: 12:55:20
